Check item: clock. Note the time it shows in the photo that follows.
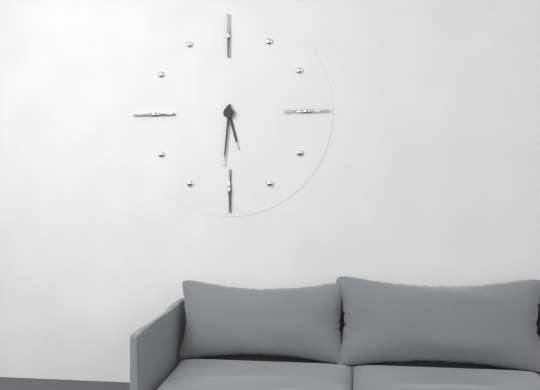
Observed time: 5:31
